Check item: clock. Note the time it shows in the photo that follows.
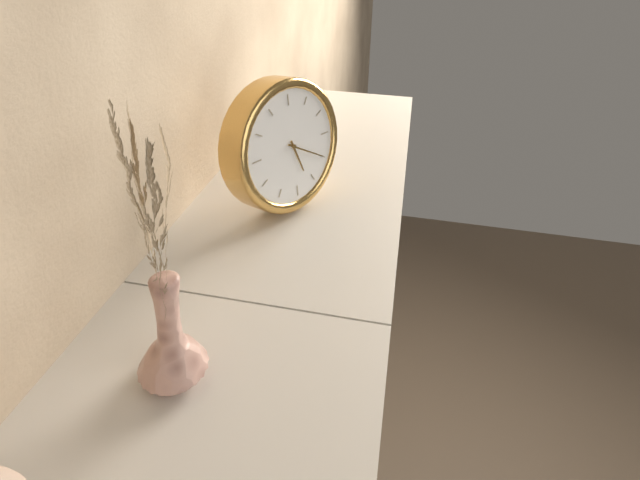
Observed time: 5:20
